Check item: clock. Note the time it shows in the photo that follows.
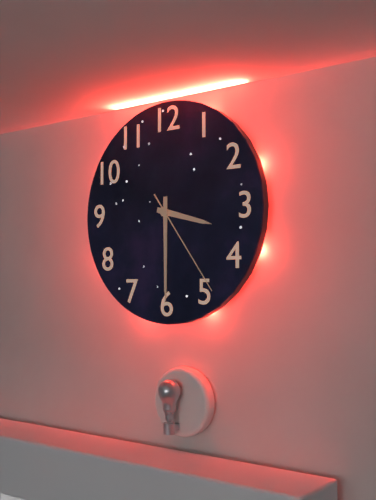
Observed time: 3:30:24
